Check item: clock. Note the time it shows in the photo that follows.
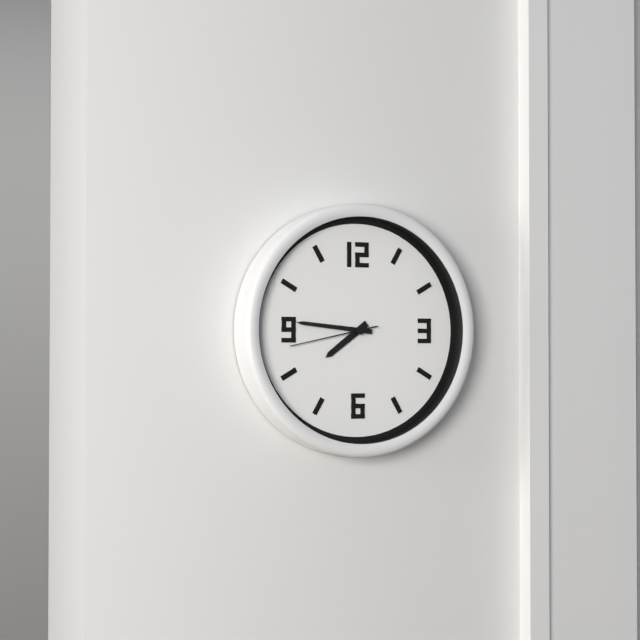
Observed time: 7:46:43
